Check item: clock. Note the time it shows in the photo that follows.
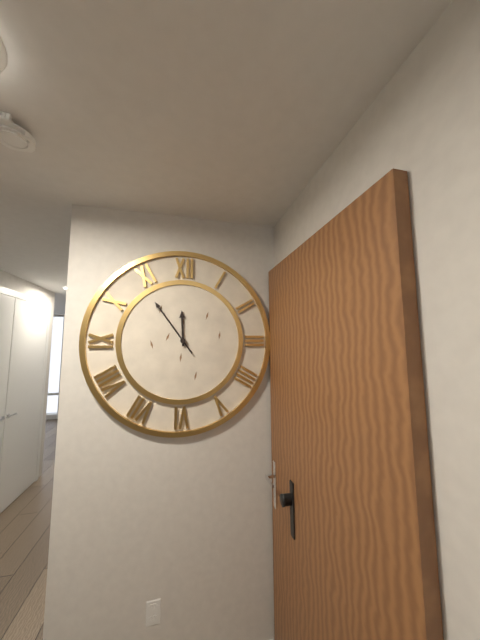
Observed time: 11:54
